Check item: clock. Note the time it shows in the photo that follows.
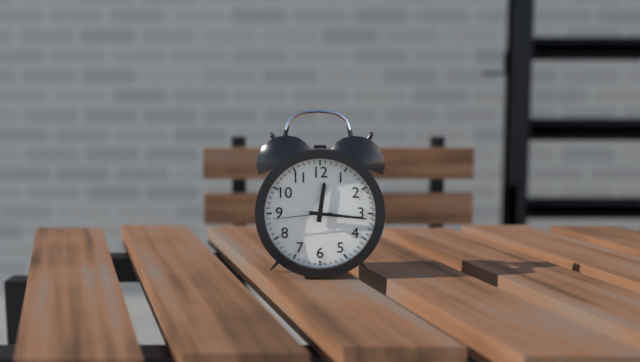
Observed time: 12:16:44
